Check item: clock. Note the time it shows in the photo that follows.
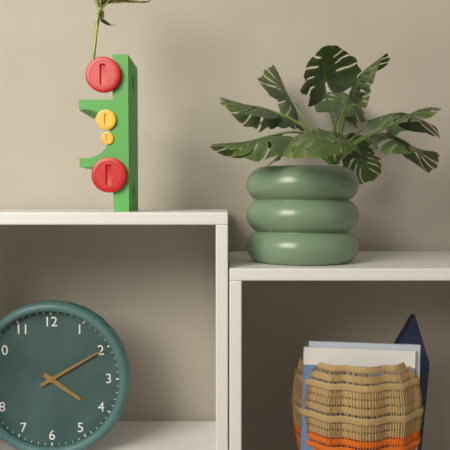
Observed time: 4:10
